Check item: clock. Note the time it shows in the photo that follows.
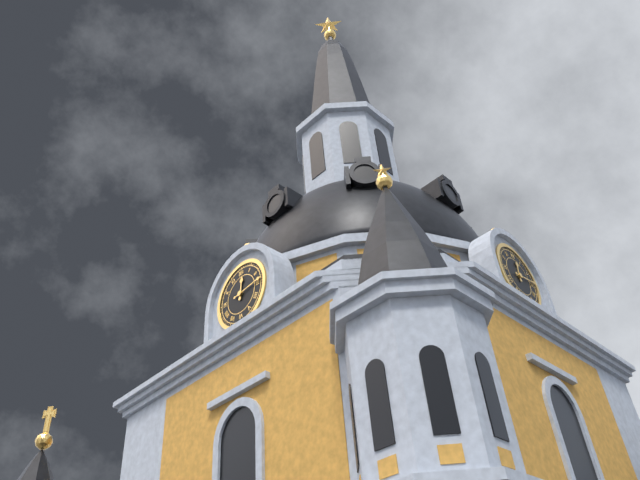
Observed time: 12:14
